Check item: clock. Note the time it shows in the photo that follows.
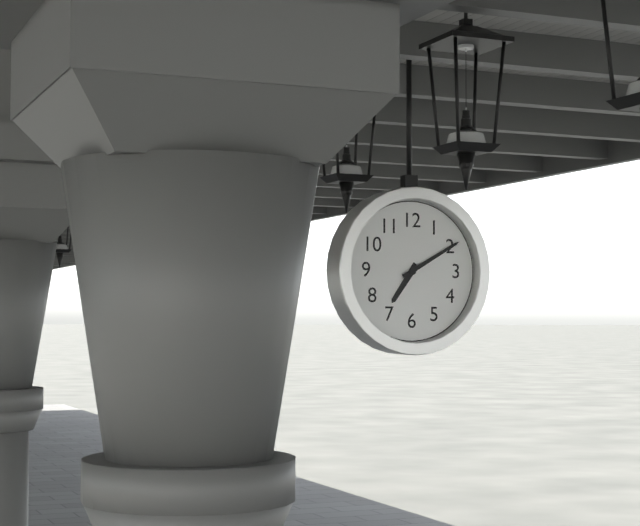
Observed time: 7:10
